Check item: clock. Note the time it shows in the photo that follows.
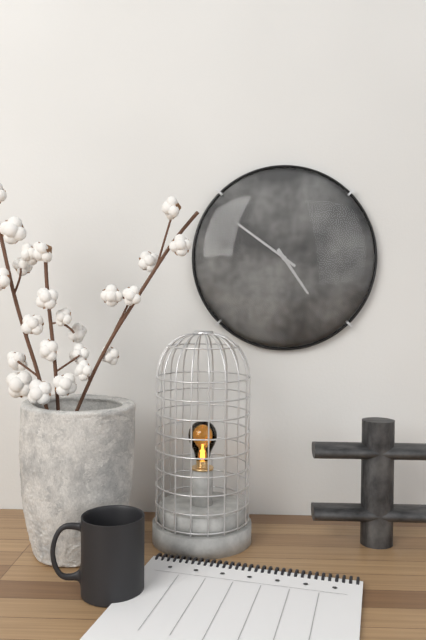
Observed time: 4:51
